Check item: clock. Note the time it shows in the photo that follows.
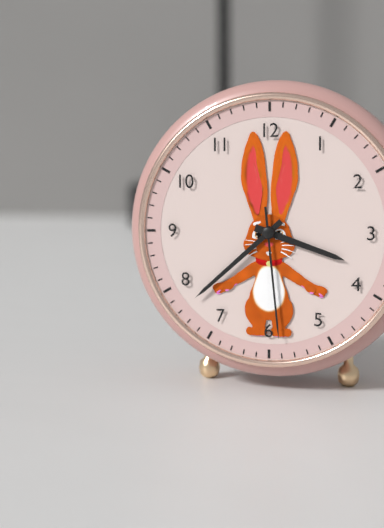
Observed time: 3:38:29
